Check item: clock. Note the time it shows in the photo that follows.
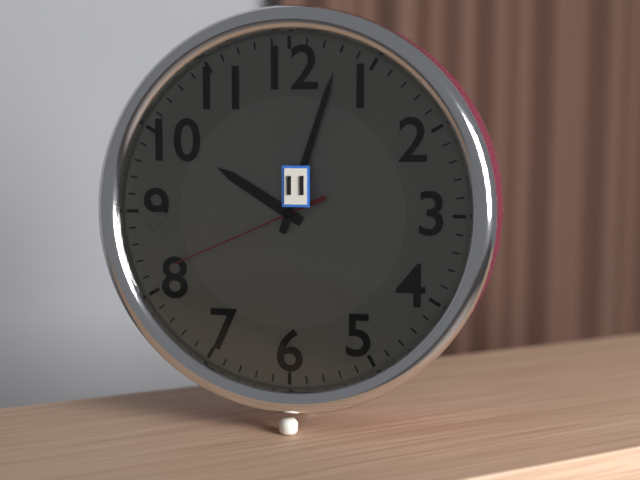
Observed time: 10:03:41
